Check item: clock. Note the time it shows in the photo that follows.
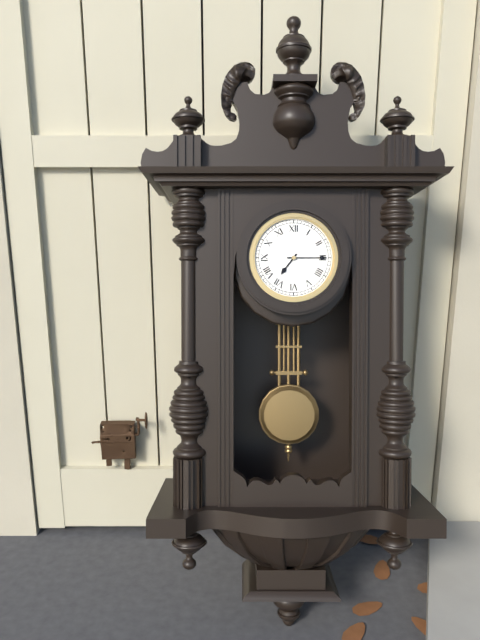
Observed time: 7:15
